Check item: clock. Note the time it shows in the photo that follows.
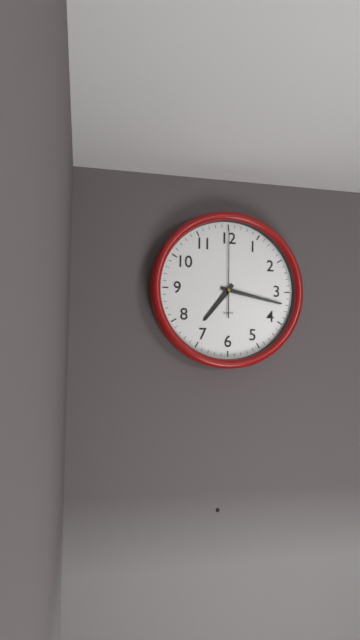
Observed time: 7:17:00
